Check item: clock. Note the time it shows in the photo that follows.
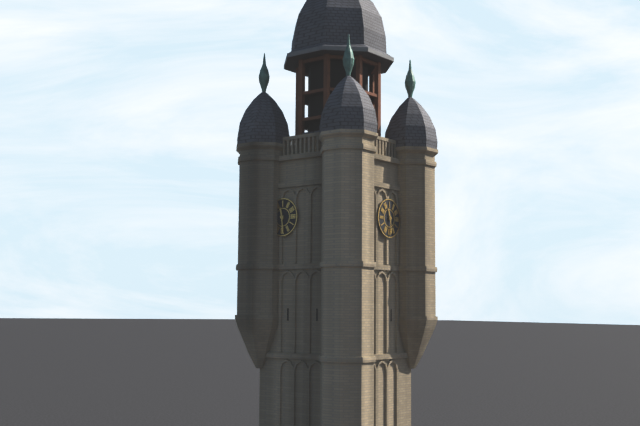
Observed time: 11:29
